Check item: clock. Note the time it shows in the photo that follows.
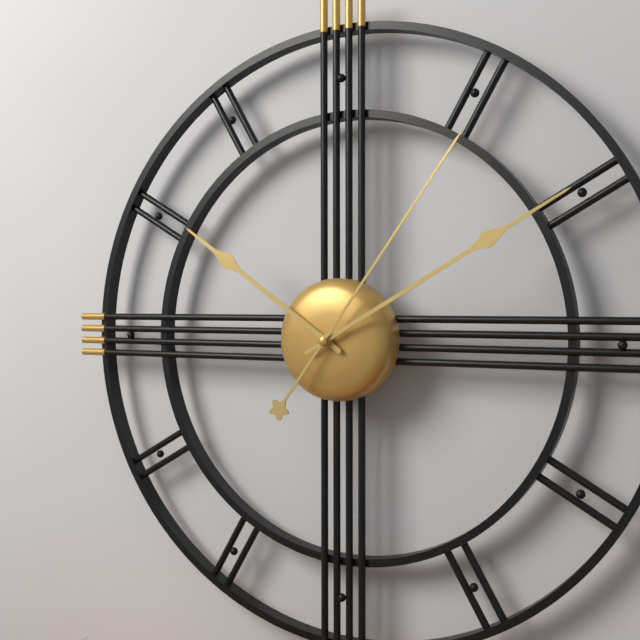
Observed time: 10:10:06
